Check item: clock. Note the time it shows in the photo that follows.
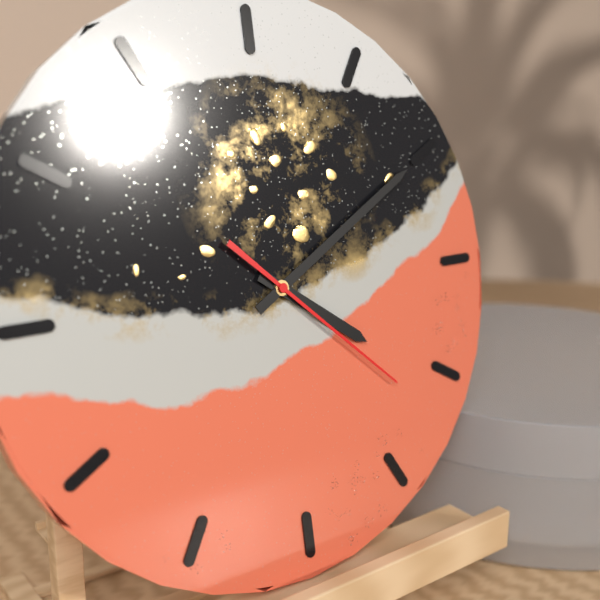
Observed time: 4:10:22
